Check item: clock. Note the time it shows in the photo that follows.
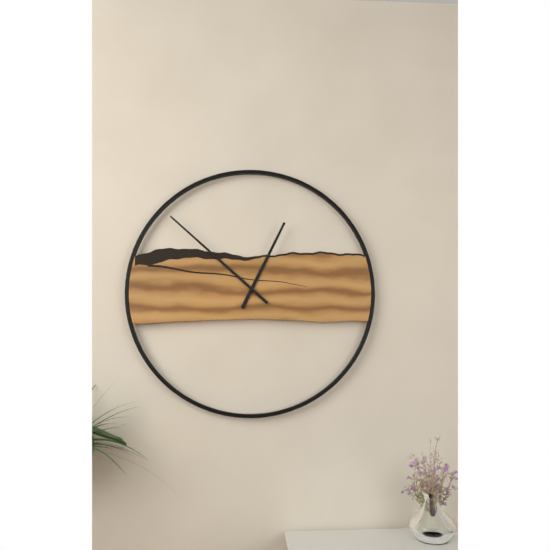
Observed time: 12:52
